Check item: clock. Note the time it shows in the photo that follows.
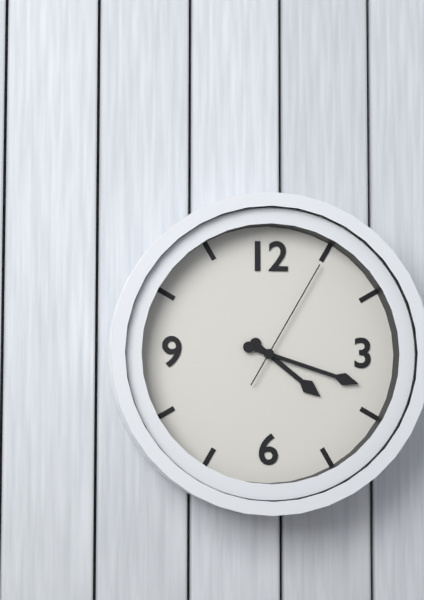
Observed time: 4:18:05
